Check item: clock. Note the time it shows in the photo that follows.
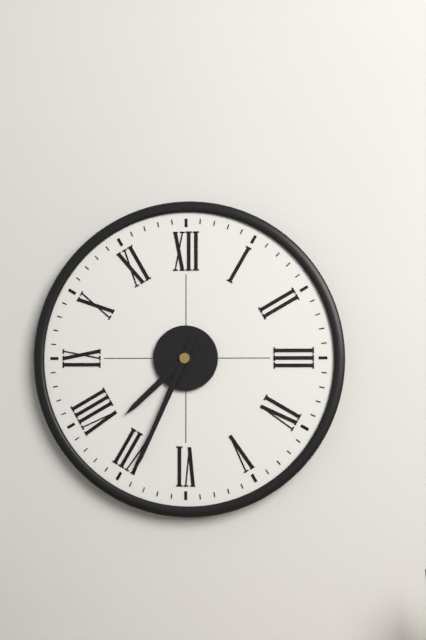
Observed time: 7:34
